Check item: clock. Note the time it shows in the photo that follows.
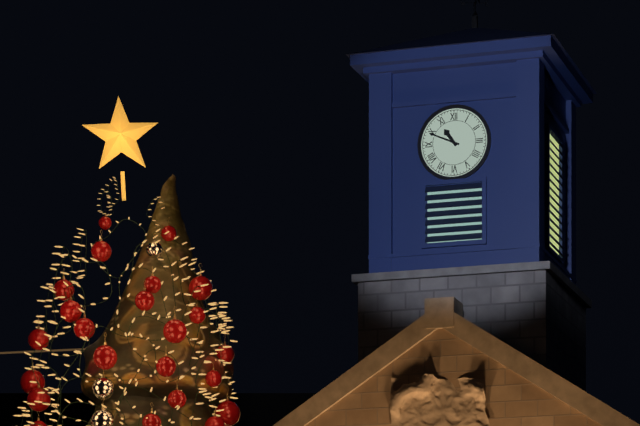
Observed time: 10:49
